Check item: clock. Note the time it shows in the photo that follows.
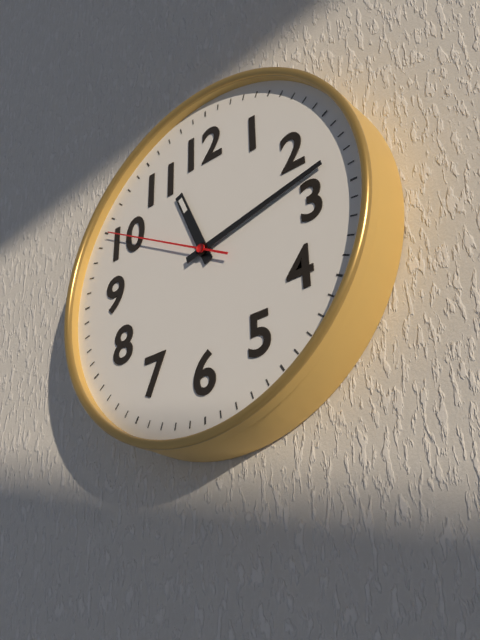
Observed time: 11:13:50
